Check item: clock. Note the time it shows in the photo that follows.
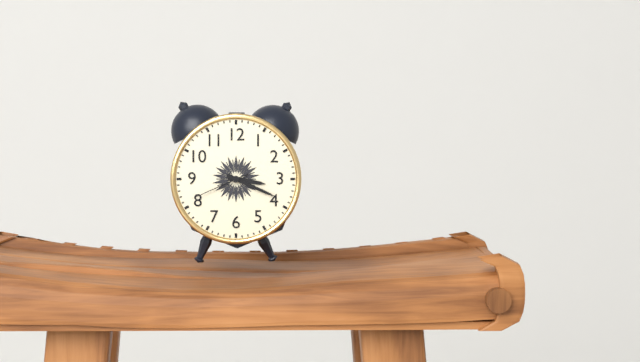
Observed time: 3:19:41
